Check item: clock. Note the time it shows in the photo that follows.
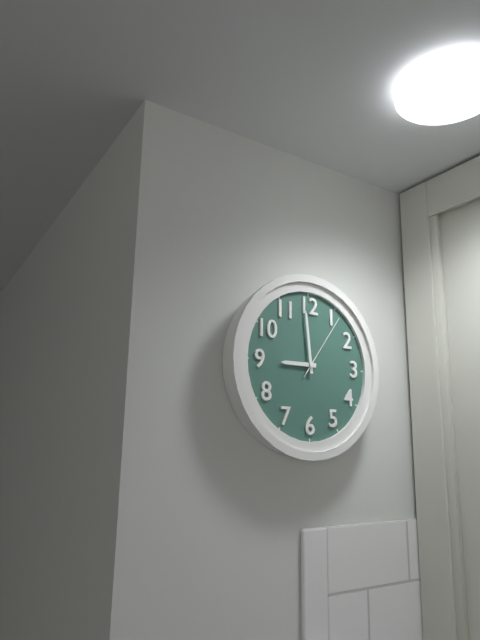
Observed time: 8:59:06
